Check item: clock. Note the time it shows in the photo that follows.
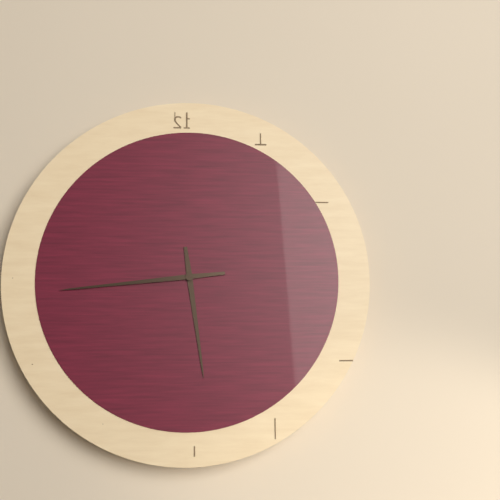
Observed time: 5:44
